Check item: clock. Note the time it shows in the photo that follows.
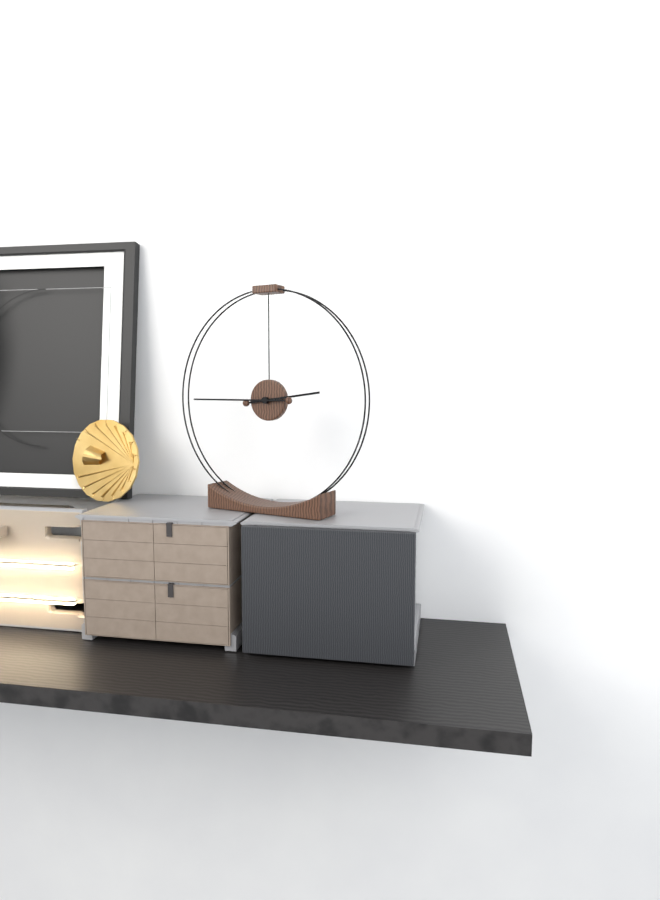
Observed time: 2:45
